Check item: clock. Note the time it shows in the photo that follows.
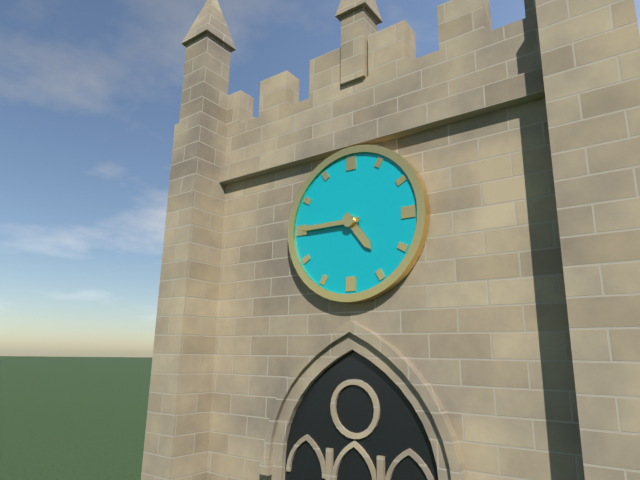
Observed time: 4:45
